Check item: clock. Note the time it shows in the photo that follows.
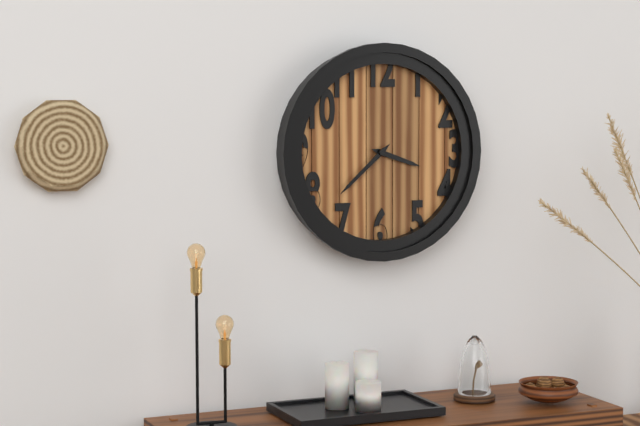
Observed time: 3:38
